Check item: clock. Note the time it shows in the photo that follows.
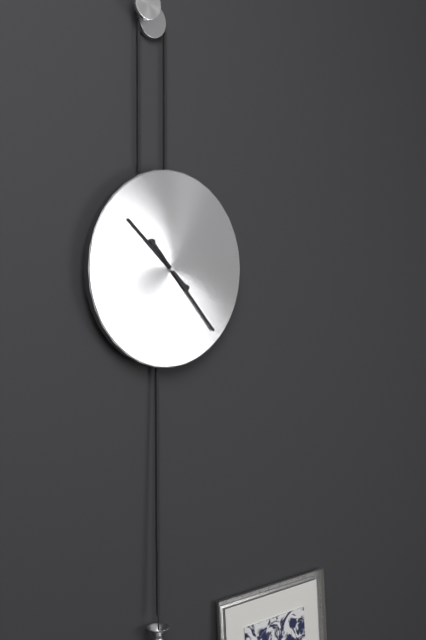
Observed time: 10:23
